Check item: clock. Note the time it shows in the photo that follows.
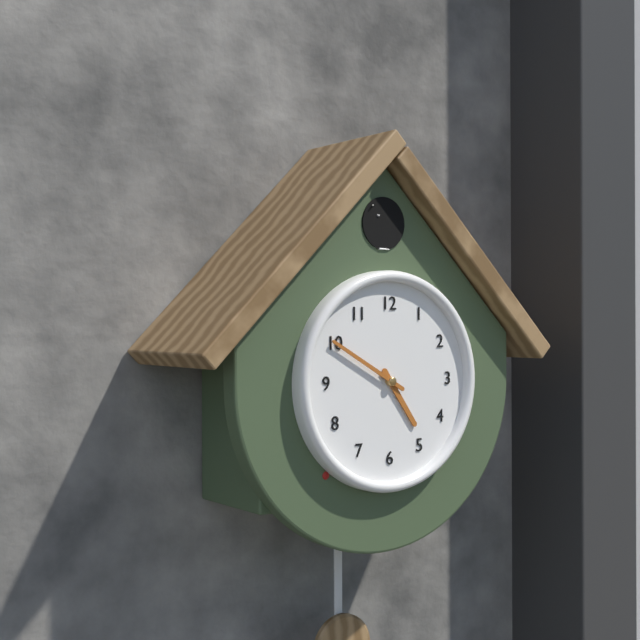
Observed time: 4:50
